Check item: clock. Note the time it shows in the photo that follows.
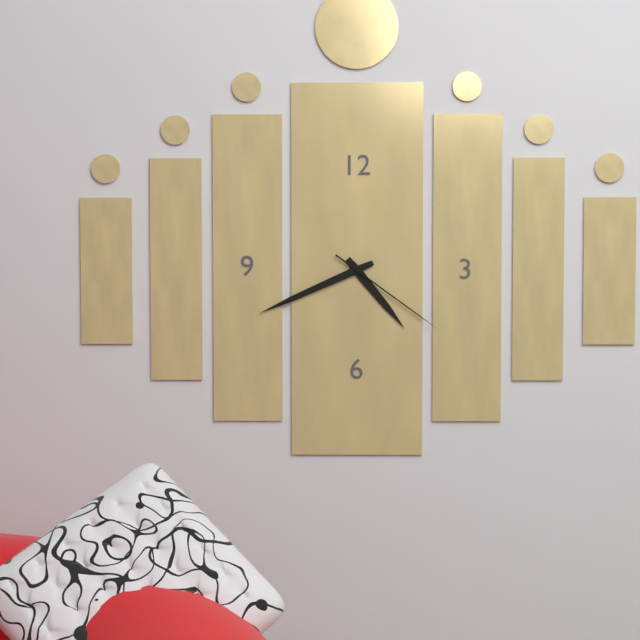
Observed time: 4:41:21
